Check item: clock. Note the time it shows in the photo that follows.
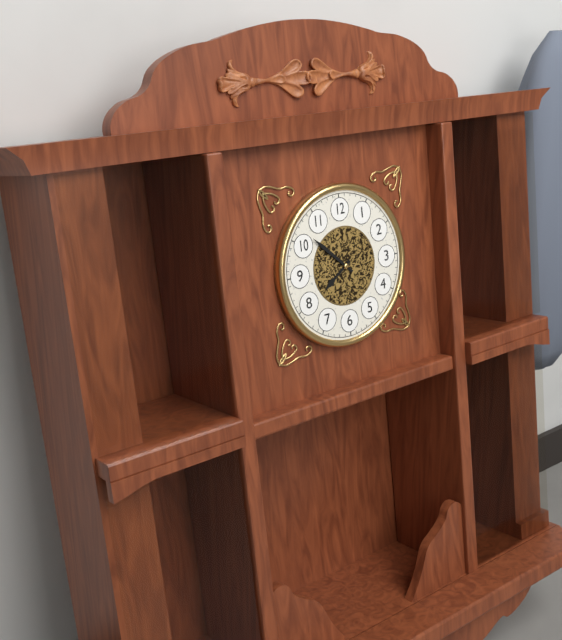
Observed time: 7:52
